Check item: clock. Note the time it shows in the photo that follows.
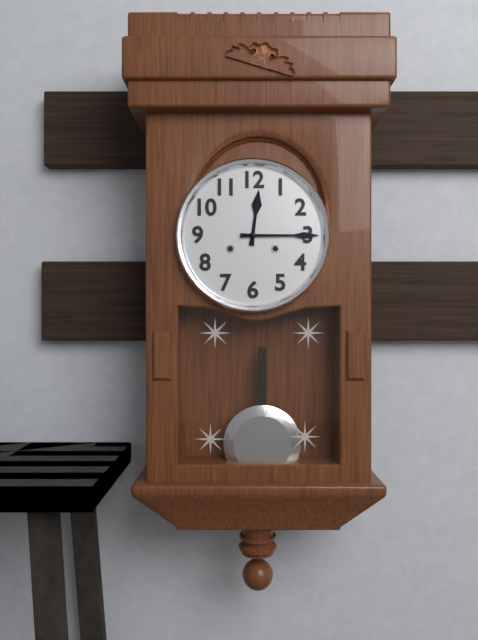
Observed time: 12:15
